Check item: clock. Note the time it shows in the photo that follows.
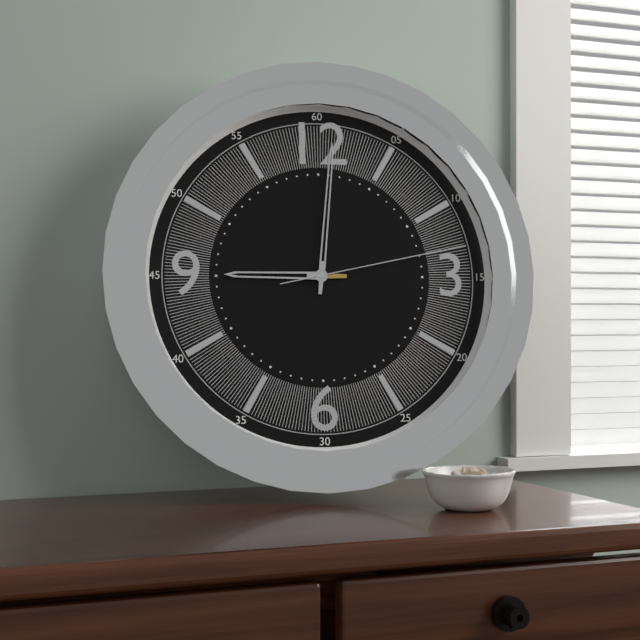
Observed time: 9:01:13
